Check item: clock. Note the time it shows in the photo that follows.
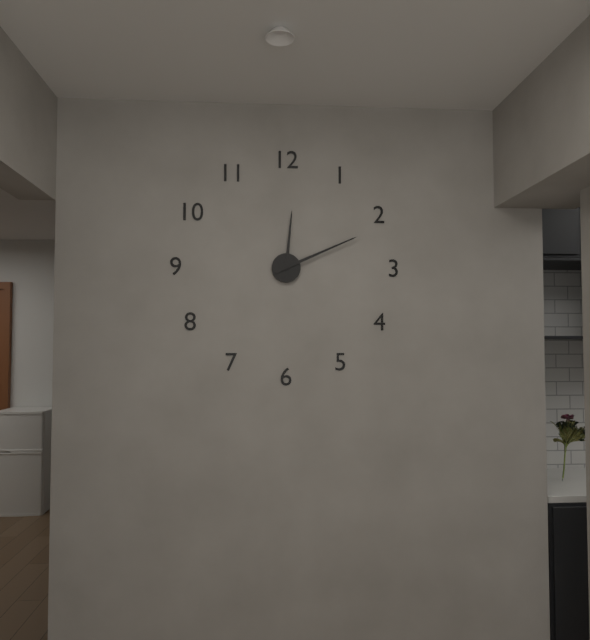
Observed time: 12:11
